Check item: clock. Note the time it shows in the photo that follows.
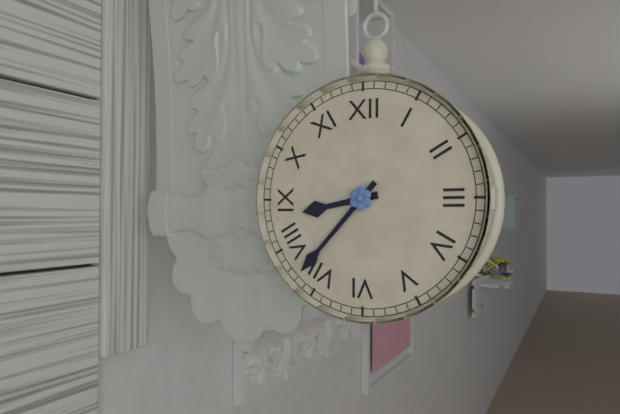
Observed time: 8:37
